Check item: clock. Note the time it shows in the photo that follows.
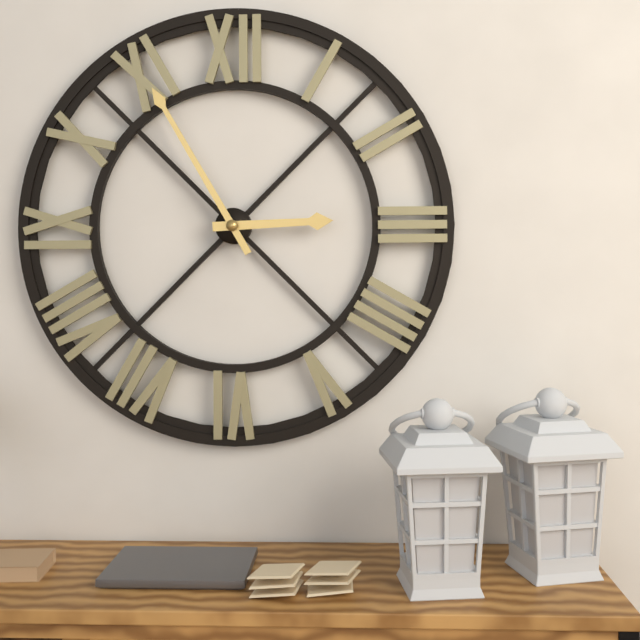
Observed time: 2:55
